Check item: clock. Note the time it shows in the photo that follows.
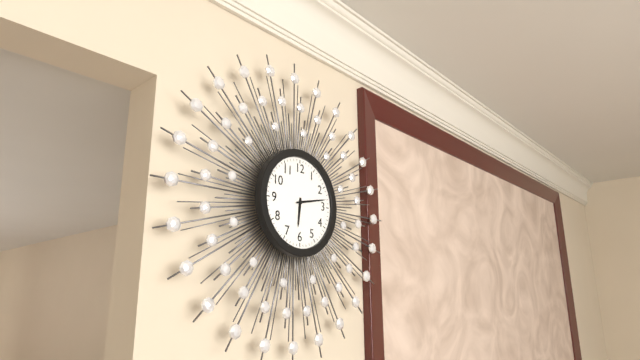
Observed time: 6:13
